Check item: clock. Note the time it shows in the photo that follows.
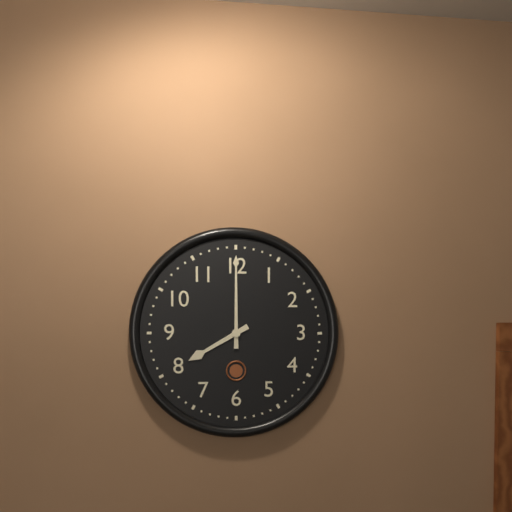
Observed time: 8:00
